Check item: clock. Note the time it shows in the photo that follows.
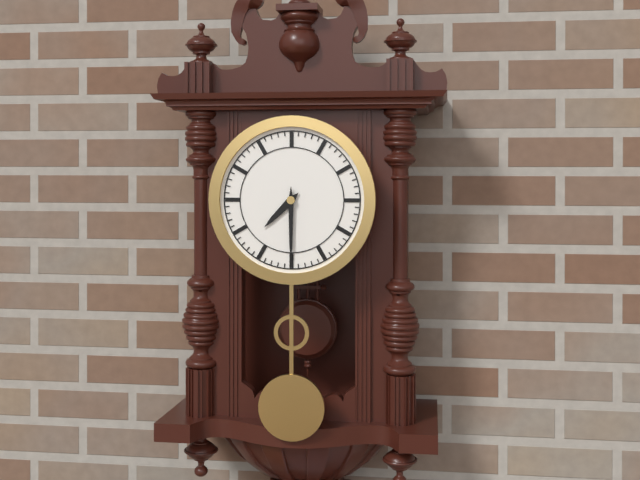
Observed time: 7:30
